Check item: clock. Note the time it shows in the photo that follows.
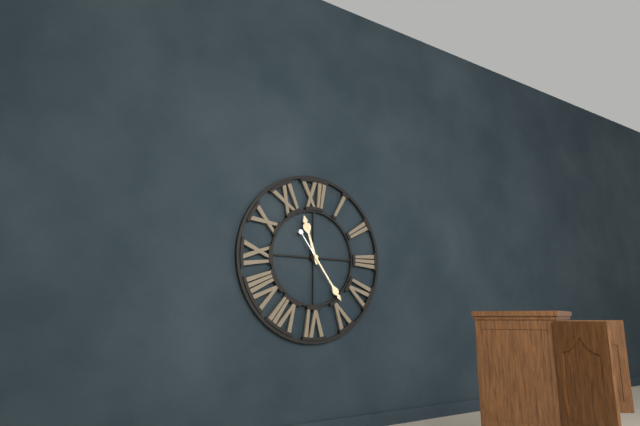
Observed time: 11:24
